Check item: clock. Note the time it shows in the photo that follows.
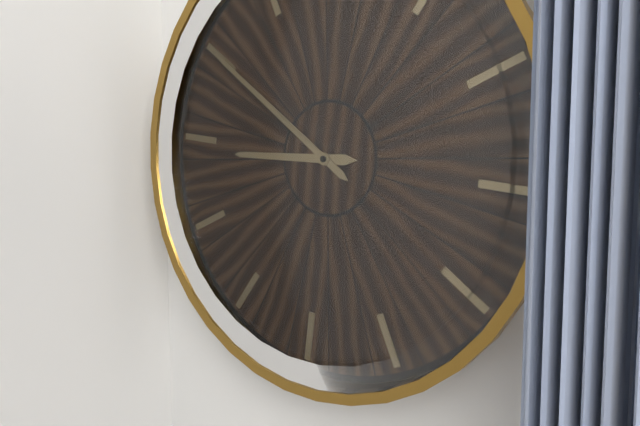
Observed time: 8:50
